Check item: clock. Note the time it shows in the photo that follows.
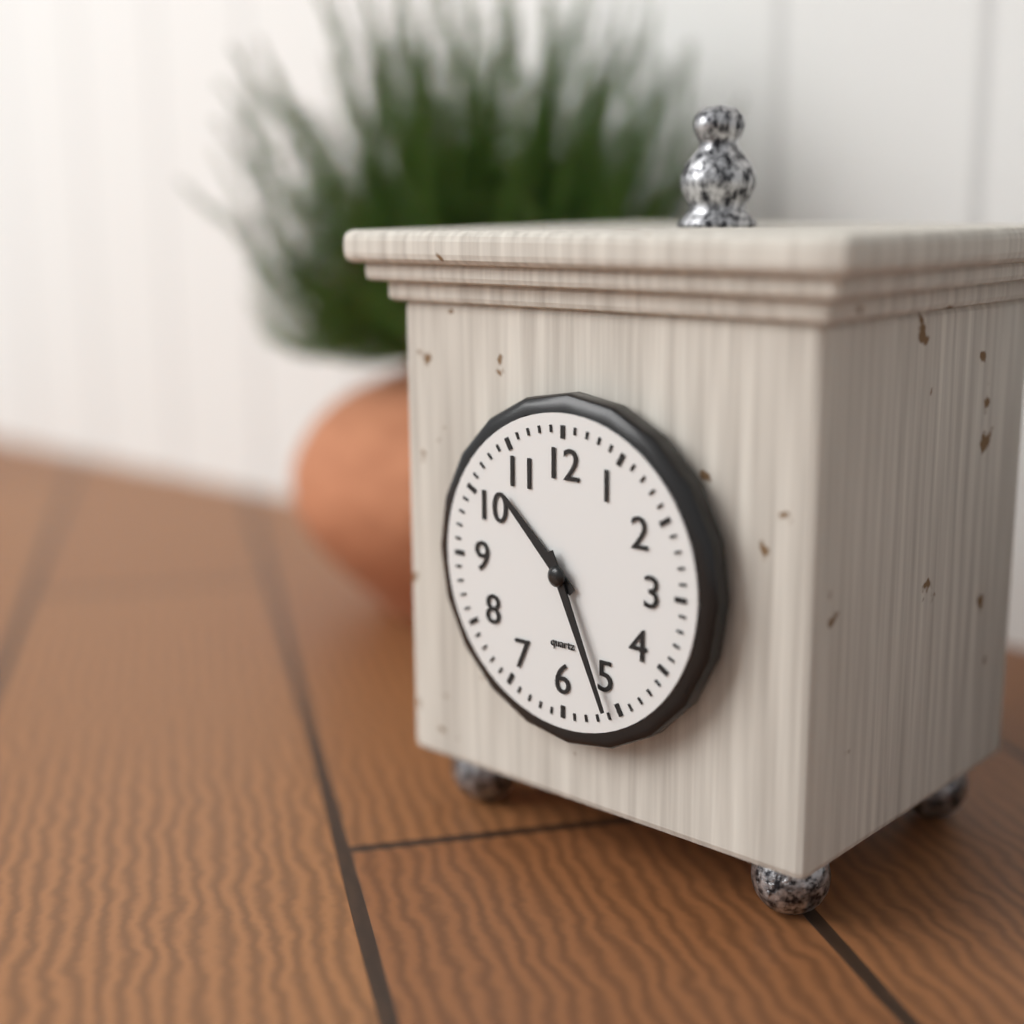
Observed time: 10:26
